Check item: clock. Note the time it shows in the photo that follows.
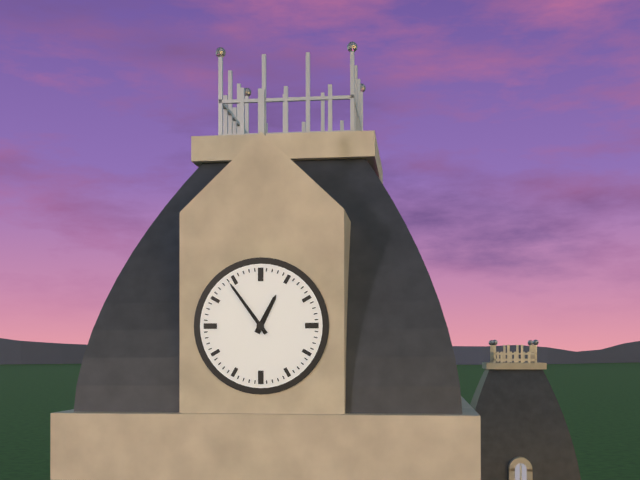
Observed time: 12:54
